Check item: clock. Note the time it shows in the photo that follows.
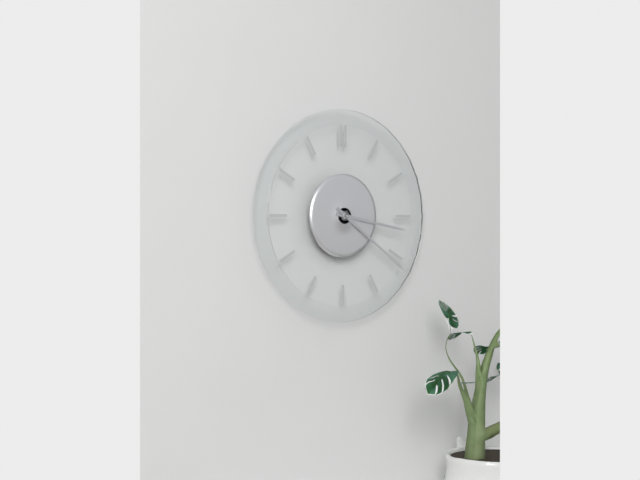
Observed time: 3:21
